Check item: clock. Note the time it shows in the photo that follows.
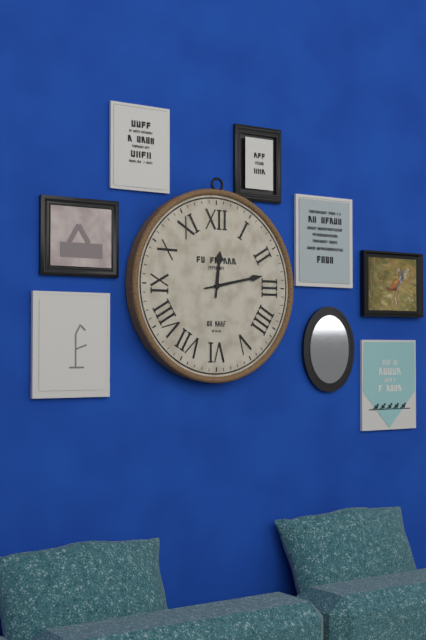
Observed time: 12:13
